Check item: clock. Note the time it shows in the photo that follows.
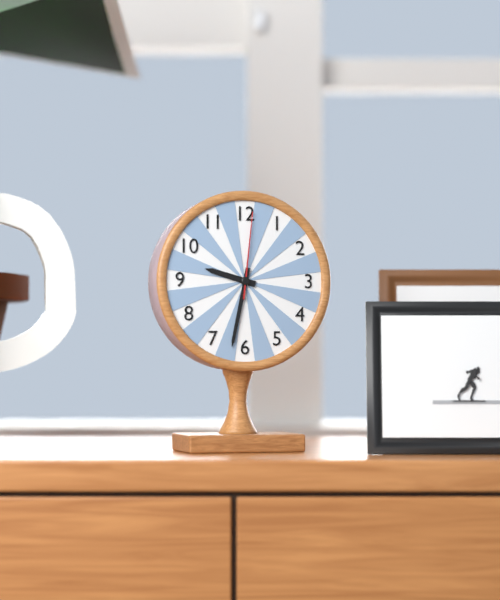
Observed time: 9:32:01
